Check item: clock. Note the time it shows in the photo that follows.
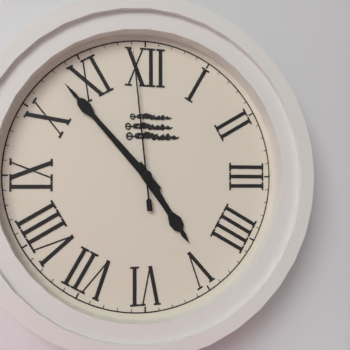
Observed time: 4:53:59
